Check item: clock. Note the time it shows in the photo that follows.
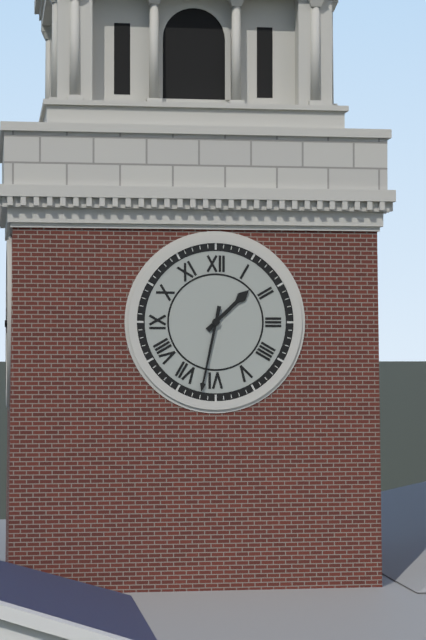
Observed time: 1:32
